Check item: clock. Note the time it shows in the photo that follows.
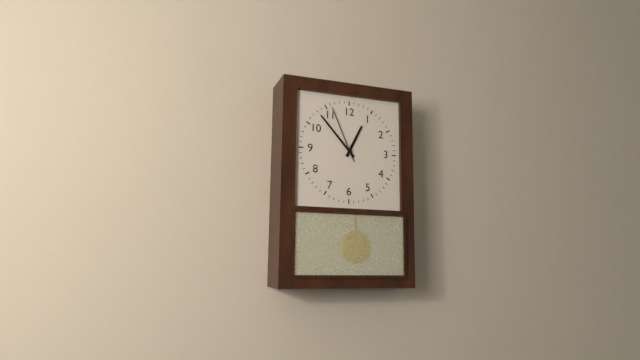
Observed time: 12:53:56
